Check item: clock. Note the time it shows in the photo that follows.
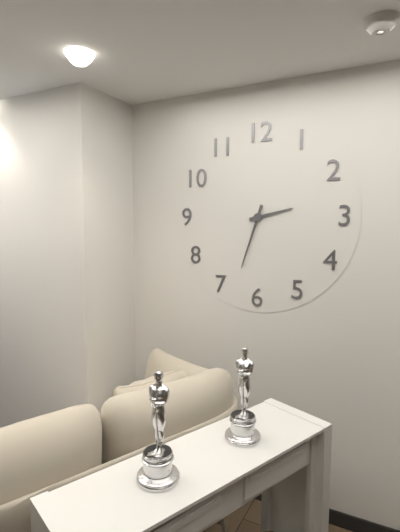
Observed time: 2:33
